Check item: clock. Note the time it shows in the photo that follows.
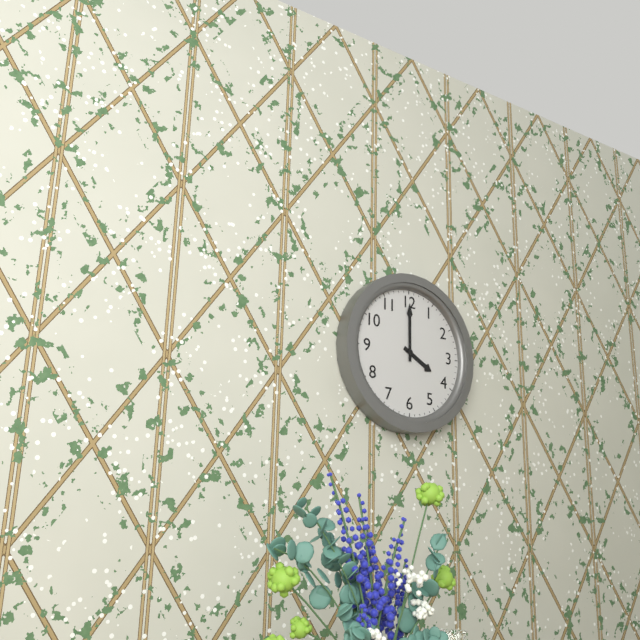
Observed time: 4:00
